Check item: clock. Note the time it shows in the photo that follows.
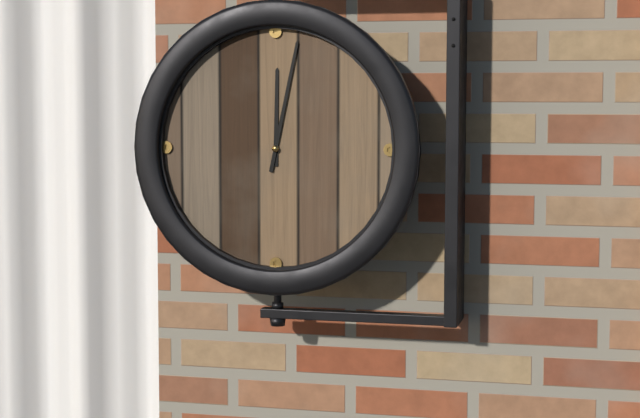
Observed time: 12:02
